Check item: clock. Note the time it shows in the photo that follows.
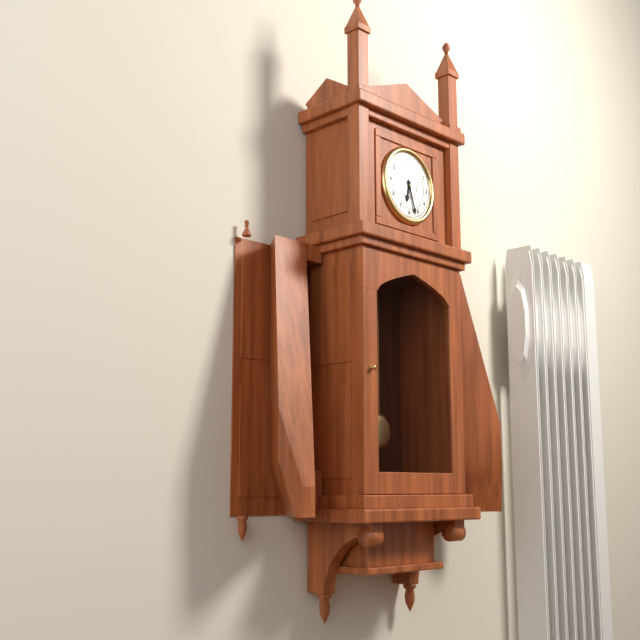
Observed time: 6:27
